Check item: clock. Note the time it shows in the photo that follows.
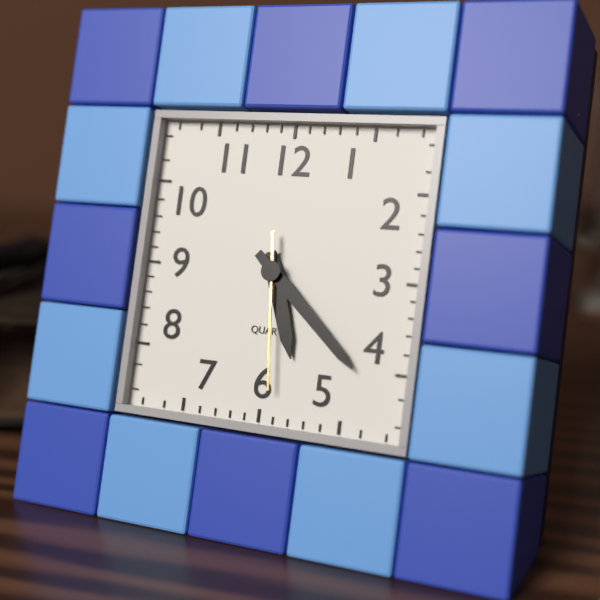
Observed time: 5:22:29
